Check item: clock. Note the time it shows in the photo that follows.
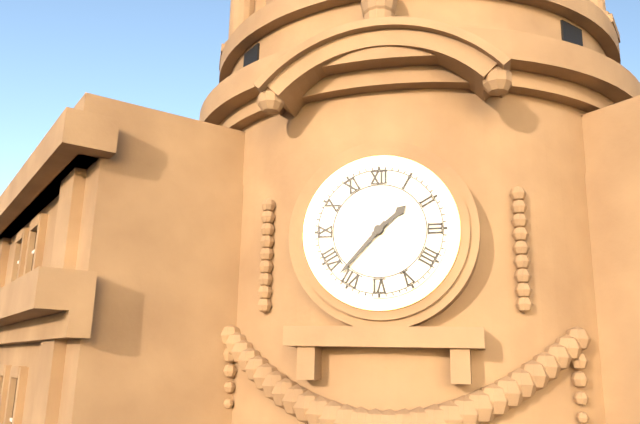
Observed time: 1:37
